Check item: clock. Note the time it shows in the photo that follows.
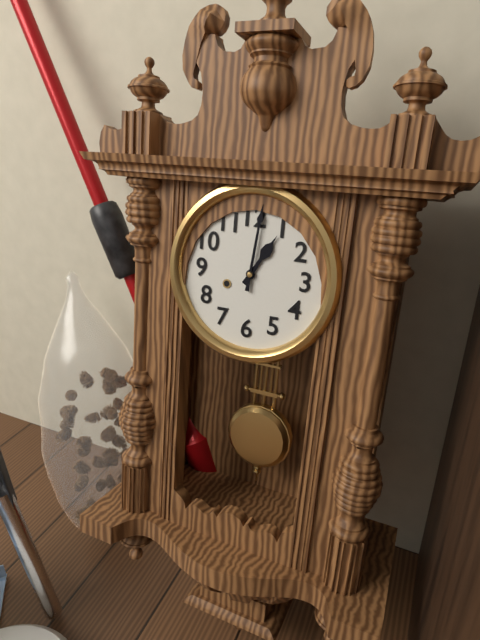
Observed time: 1:01
